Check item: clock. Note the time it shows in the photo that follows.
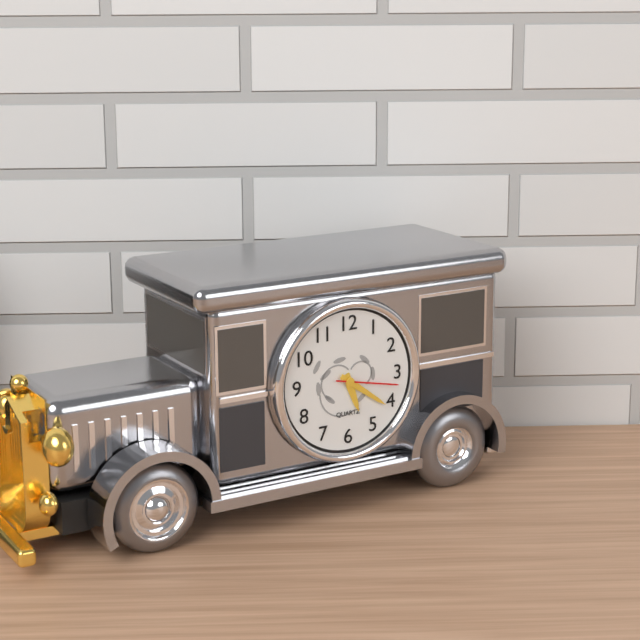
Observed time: 5:21:17
